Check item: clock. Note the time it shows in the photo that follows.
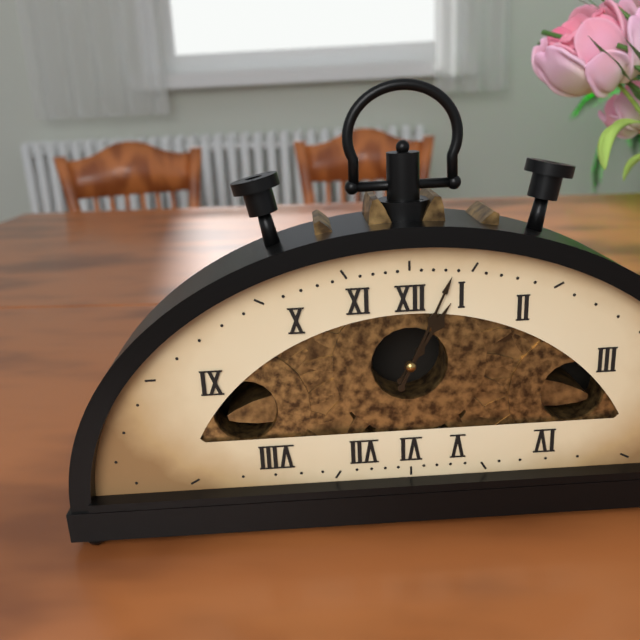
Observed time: 1:04
